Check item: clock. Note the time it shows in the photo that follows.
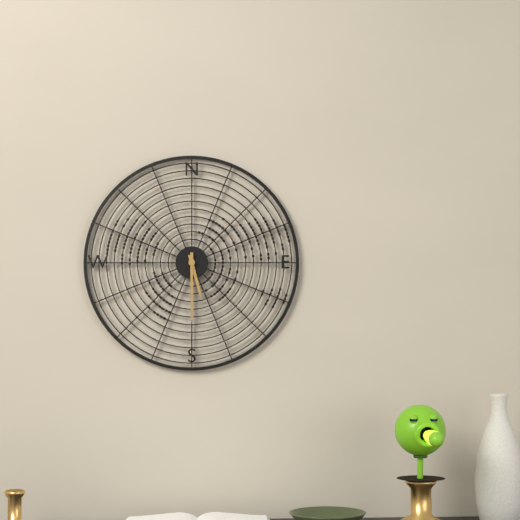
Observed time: 5:30
